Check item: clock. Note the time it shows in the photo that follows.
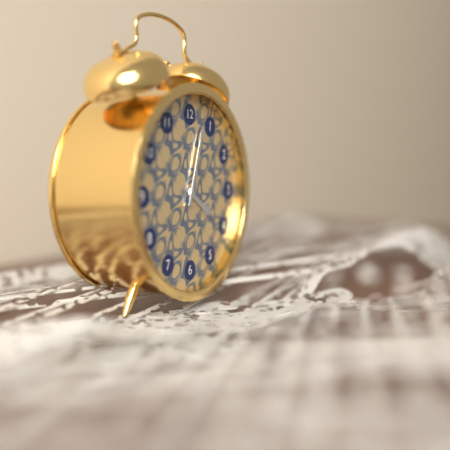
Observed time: 4:03
